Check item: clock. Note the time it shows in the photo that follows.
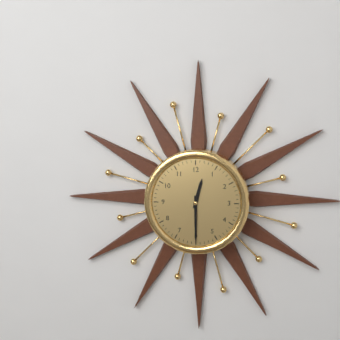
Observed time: 12:30
